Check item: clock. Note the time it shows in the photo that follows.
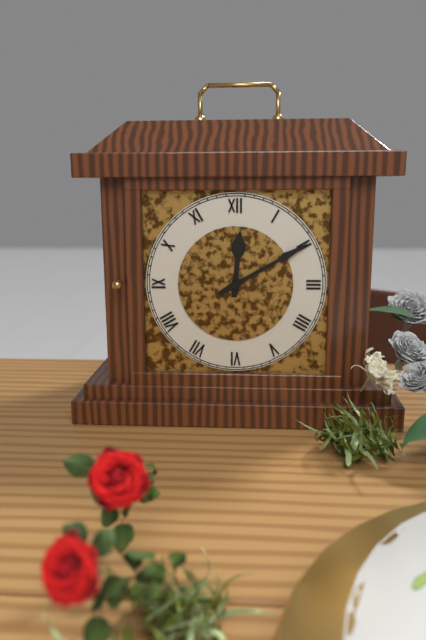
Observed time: 12:10
